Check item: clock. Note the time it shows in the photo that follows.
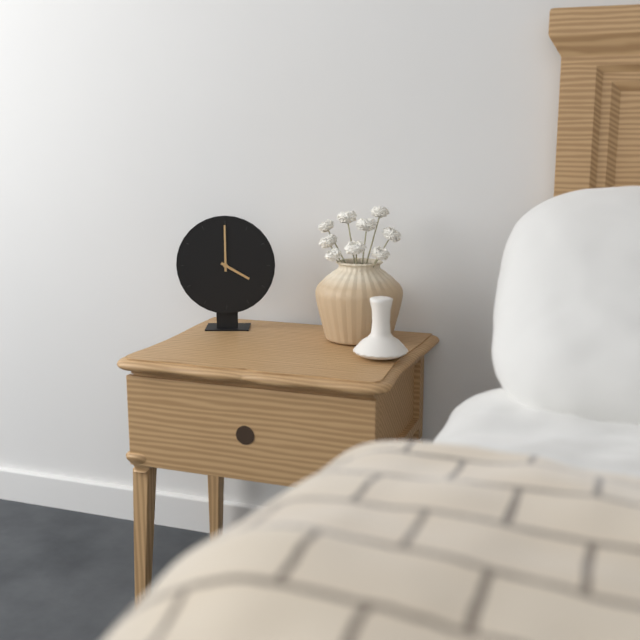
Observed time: 4:00
